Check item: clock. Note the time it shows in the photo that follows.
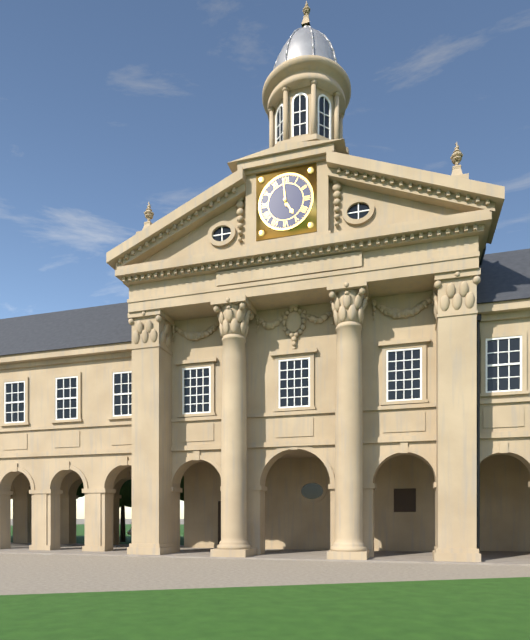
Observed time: 4:59
